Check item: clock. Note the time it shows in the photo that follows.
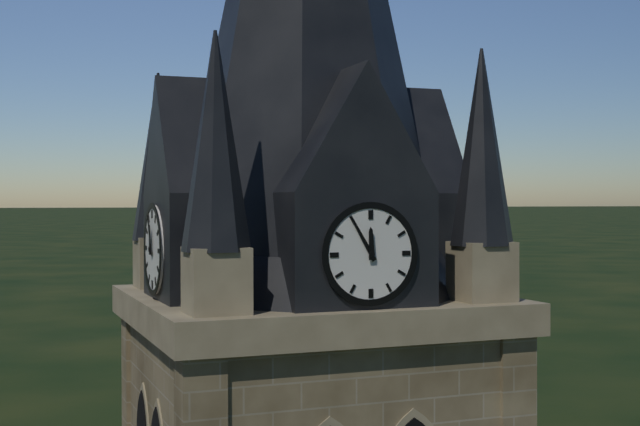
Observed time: 11:55
